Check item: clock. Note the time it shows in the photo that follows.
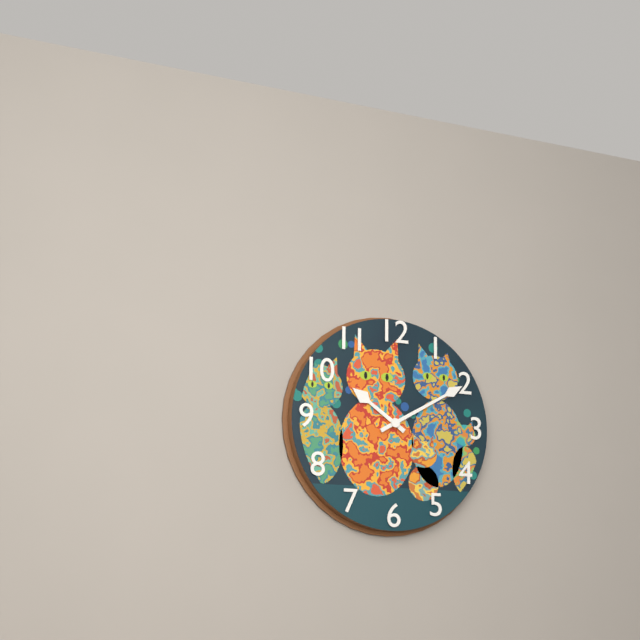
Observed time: 10:10
